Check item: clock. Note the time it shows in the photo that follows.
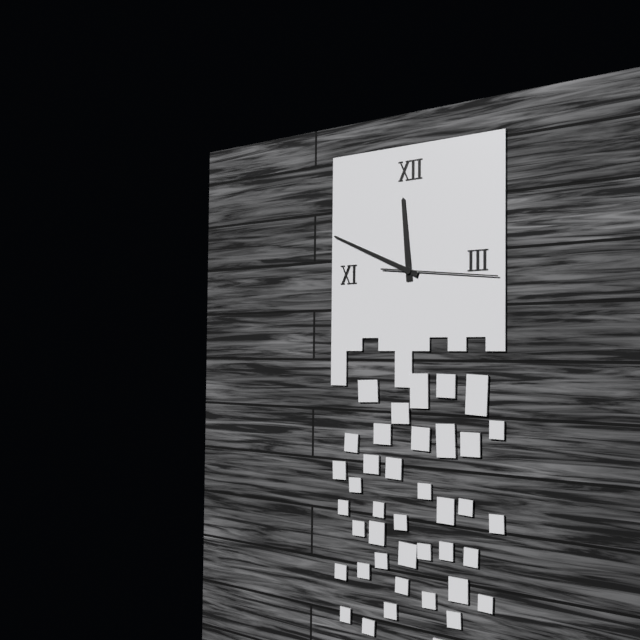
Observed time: 11:49:16
